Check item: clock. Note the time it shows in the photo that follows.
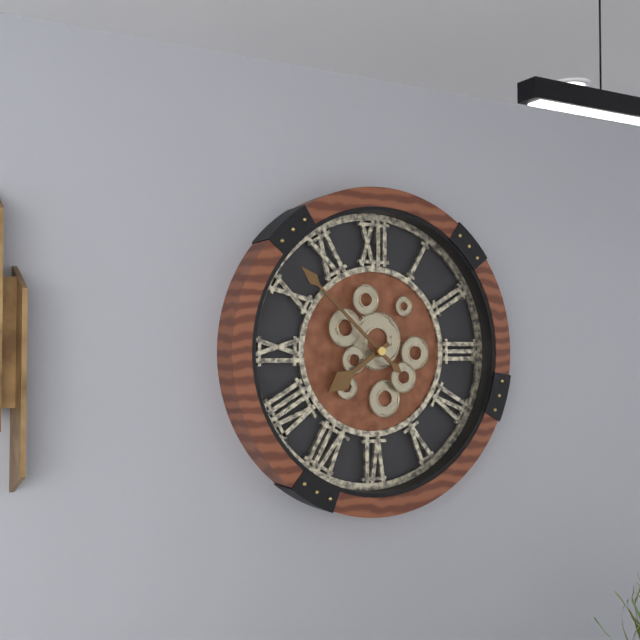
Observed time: 7:52
